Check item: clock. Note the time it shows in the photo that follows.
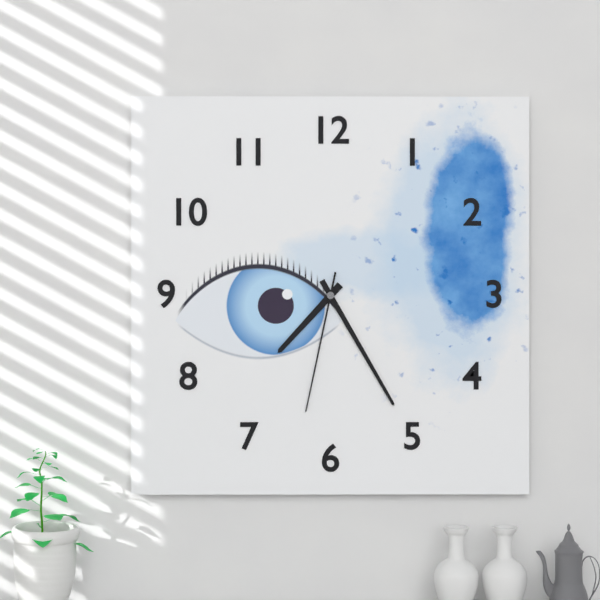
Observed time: 7:25:32
